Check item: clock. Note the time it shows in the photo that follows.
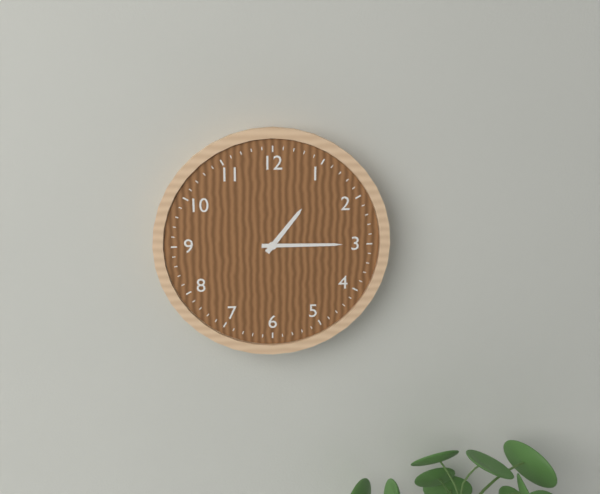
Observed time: 1:15
